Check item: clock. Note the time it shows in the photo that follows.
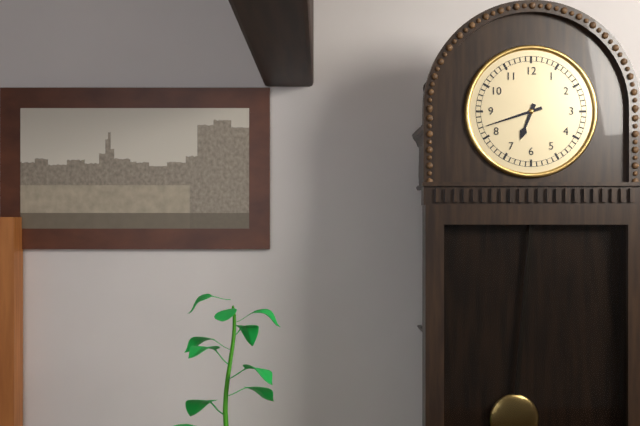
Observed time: 6:42
